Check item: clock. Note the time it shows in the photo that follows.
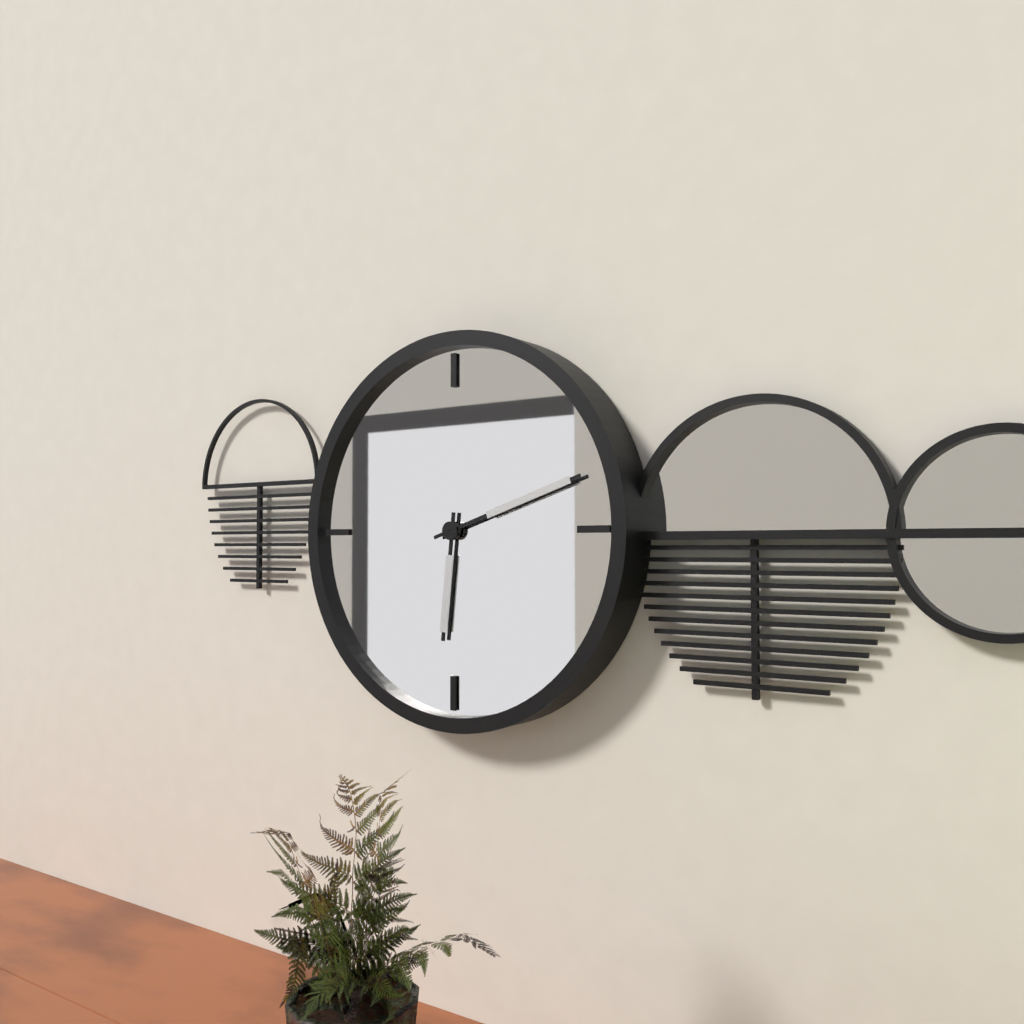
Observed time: 6:12
